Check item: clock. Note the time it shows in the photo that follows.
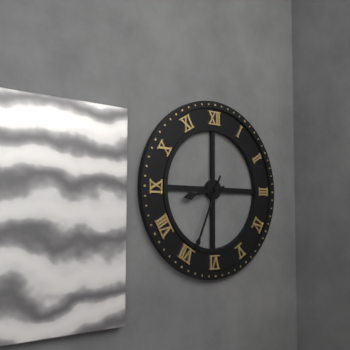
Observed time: 8:34
